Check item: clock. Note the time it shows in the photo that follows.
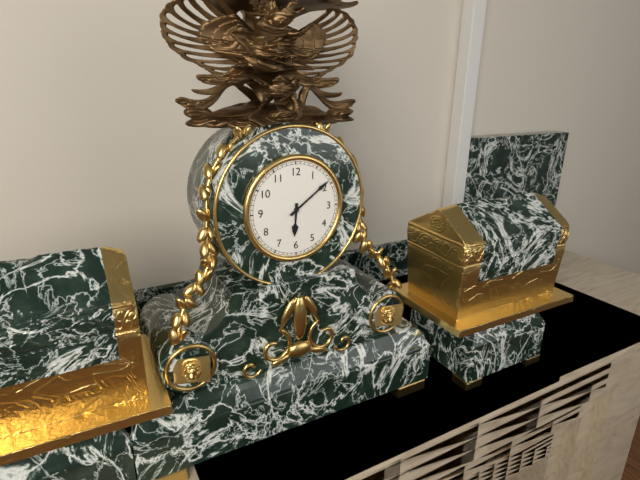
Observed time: 6:09
